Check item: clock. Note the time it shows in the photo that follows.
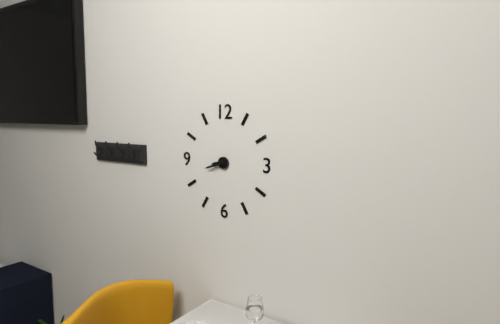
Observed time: 8:42
